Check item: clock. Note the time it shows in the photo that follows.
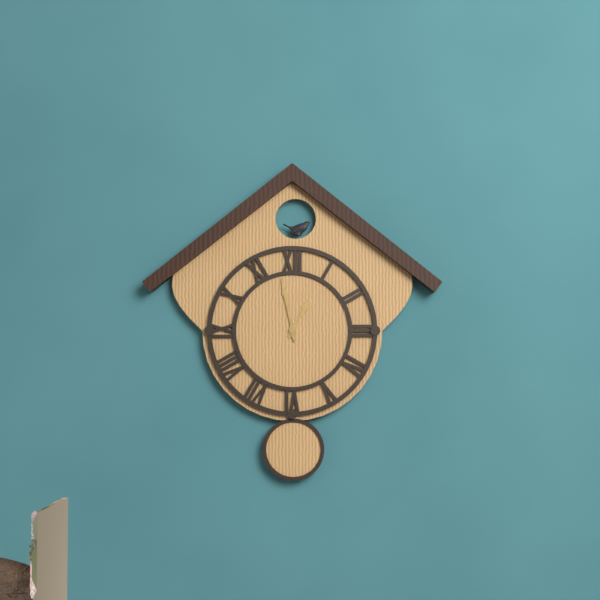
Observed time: 12:58
